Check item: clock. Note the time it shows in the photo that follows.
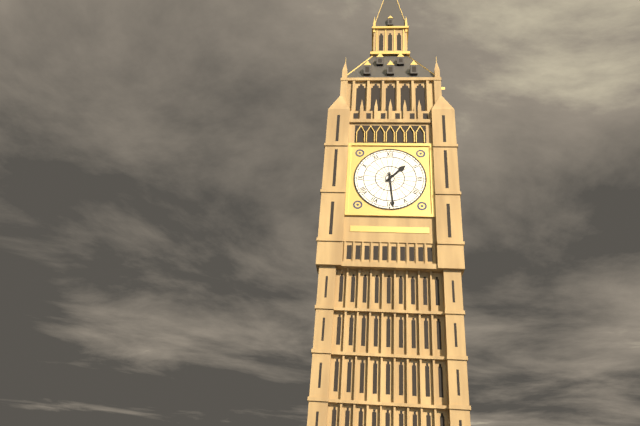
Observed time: 1:29
